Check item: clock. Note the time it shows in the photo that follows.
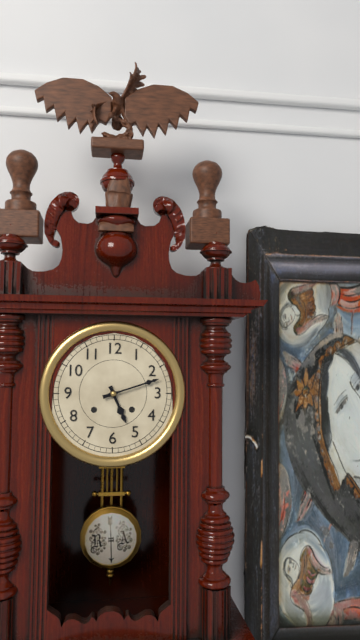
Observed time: 5:12
